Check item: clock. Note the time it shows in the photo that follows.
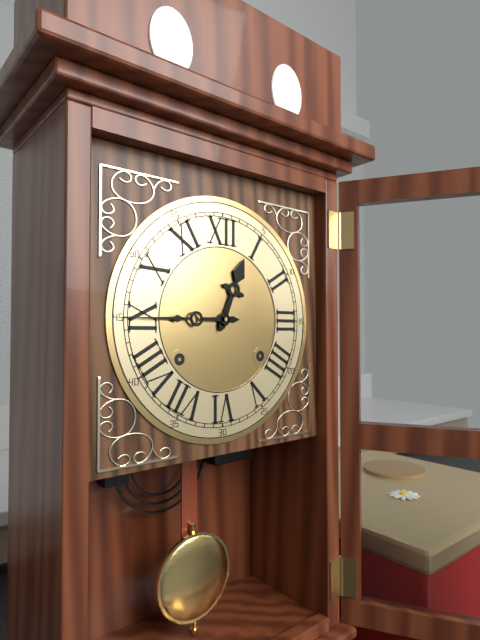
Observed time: 12:45
